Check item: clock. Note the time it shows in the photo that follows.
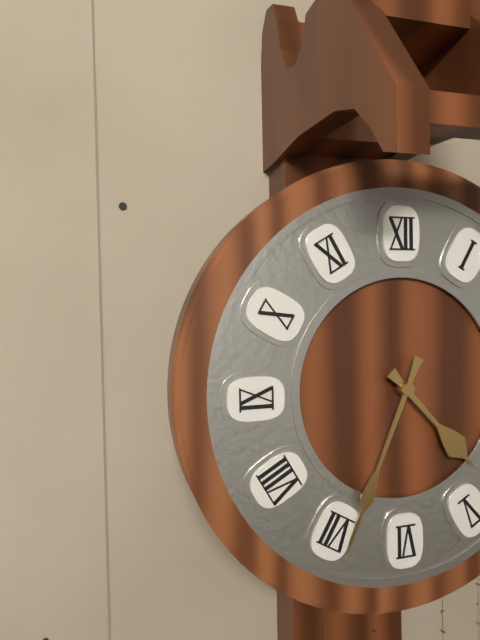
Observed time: 4:34
